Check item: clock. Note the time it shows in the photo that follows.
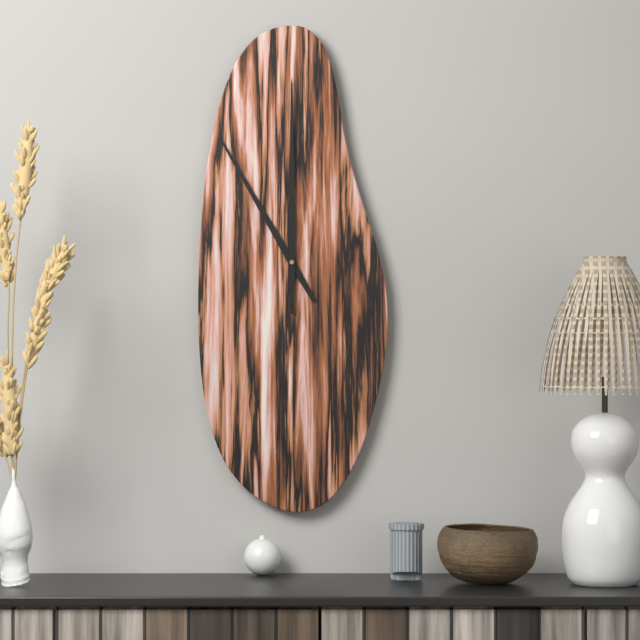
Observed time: 11:00
